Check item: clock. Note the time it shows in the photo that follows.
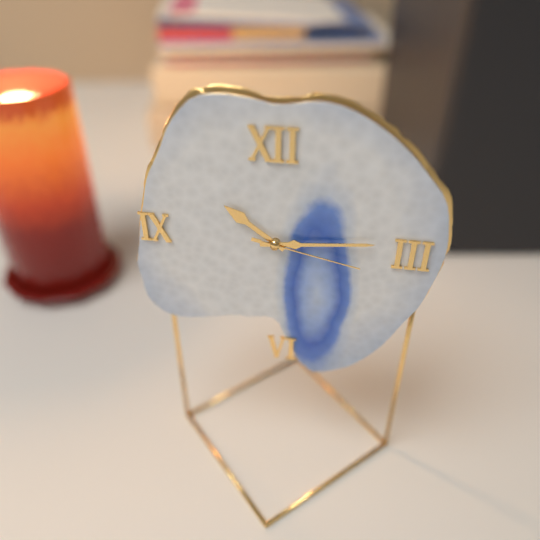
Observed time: 10:14:17
